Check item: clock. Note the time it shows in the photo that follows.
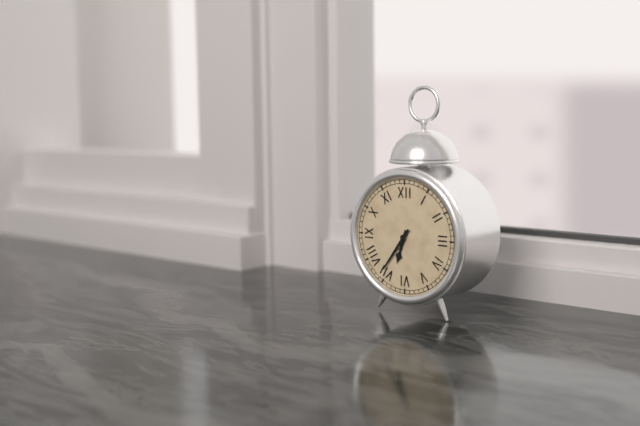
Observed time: 6:36
